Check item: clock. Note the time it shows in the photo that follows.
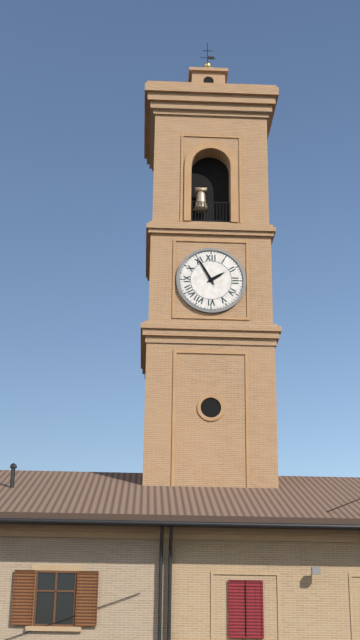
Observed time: 1:55
